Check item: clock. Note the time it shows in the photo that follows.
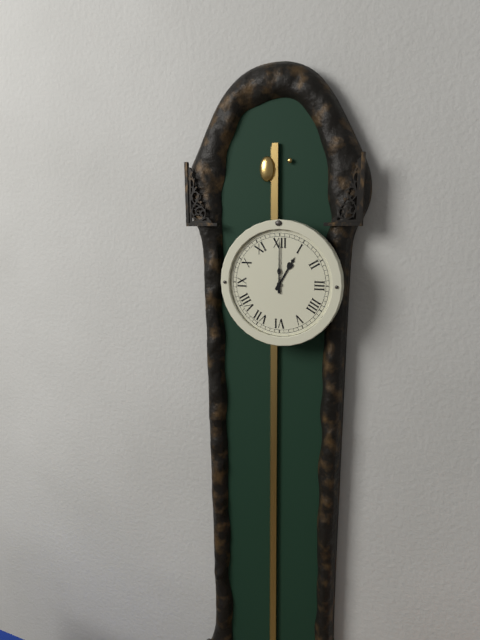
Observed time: 1:00
